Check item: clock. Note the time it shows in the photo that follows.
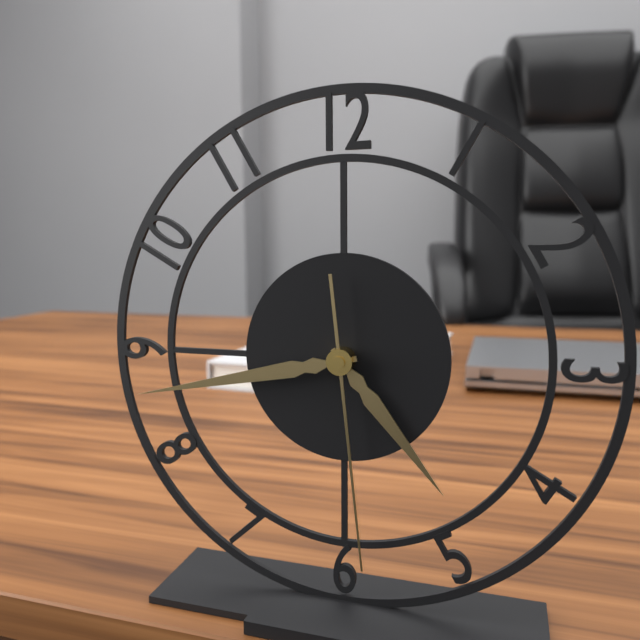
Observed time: 4:43:29
